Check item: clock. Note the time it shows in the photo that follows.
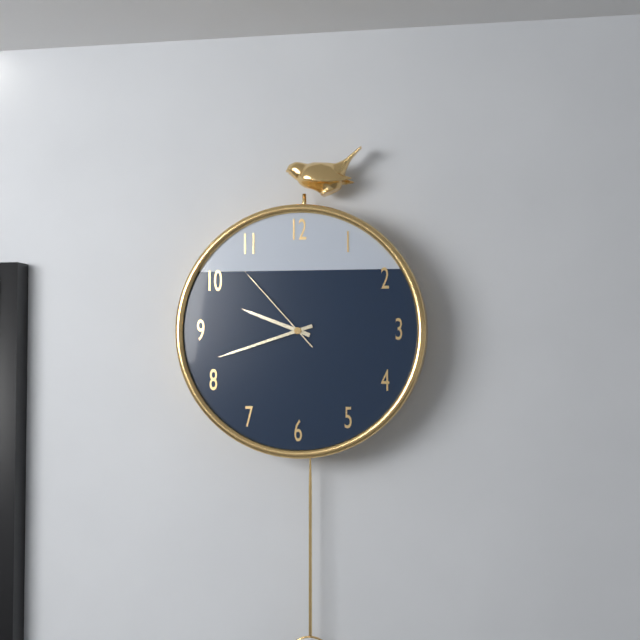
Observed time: 9:42:53
